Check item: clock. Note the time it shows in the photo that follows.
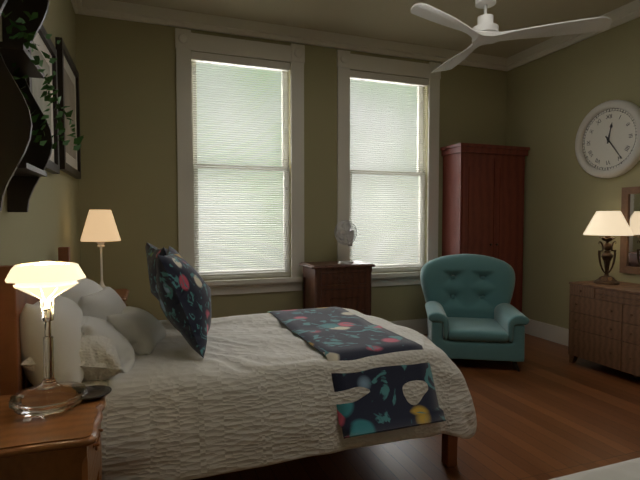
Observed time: 12:24
